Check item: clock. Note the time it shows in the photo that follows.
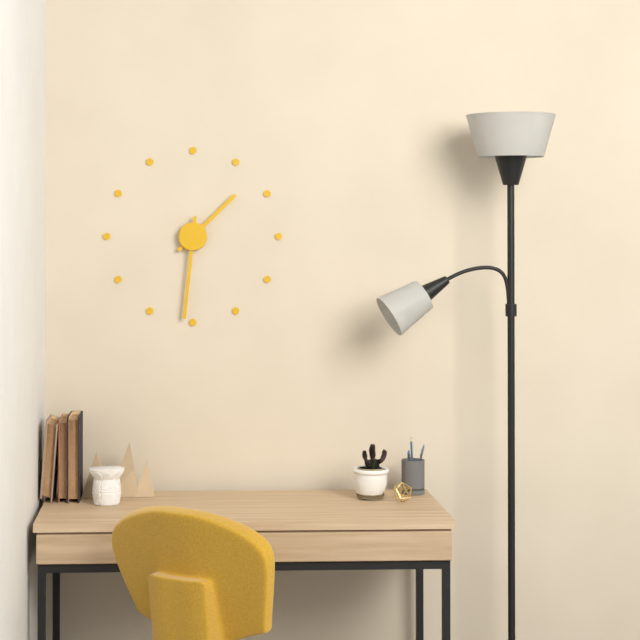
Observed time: 1:31
